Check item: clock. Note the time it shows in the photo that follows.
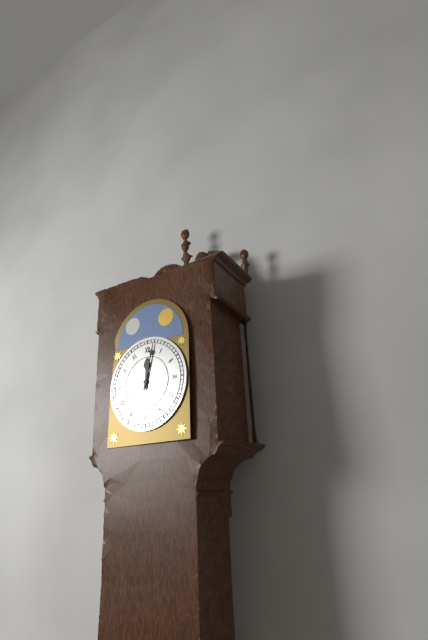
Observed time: 12:02
